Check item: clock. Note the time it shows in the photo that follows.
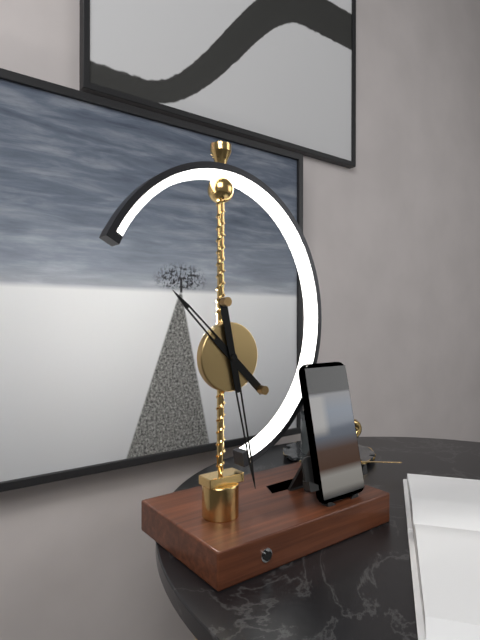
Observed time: 10:28
